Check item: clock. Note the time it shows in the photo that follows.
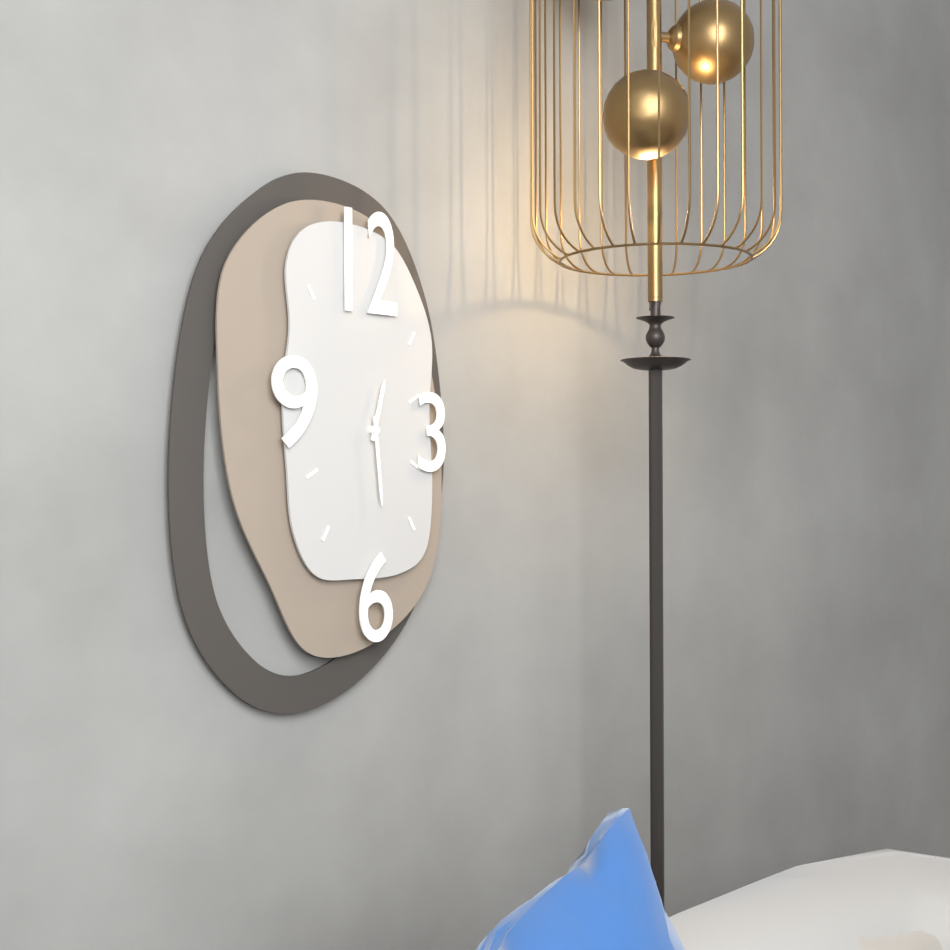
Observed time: 12:29
